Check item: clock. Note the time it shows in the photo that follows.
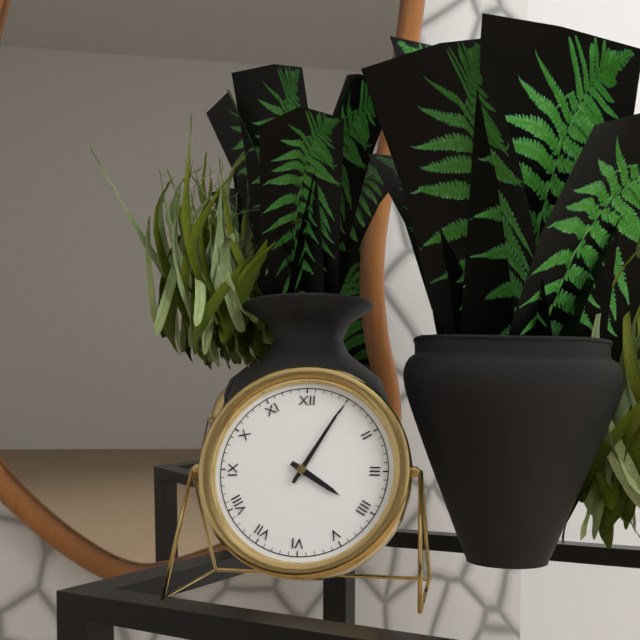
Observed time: 4:05
